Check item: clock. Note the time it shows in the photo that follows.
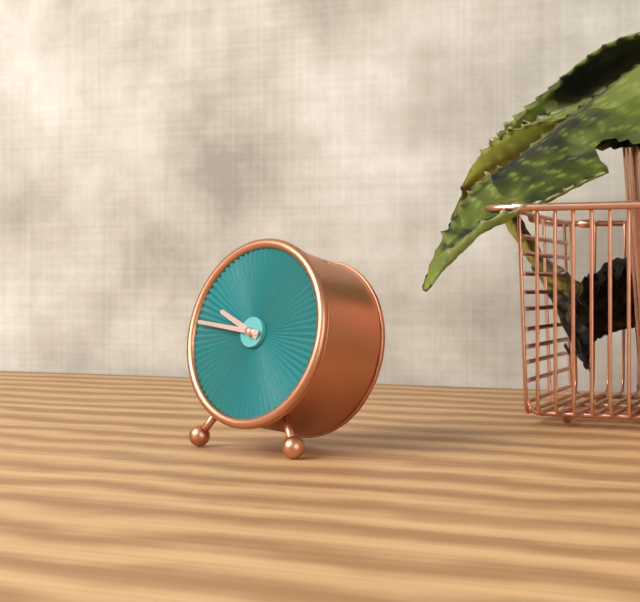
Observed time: 9:46
